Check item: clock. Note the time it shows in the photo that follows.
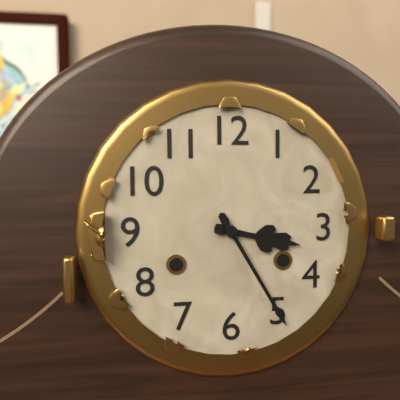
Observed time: 3:25
